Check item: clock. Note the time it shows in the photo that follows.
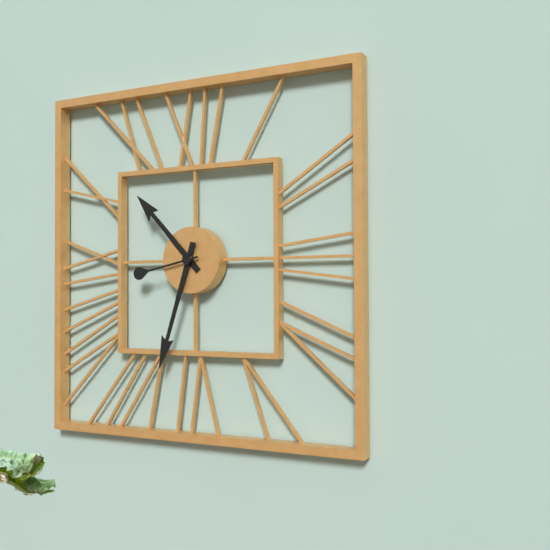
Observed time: 10:33:43
